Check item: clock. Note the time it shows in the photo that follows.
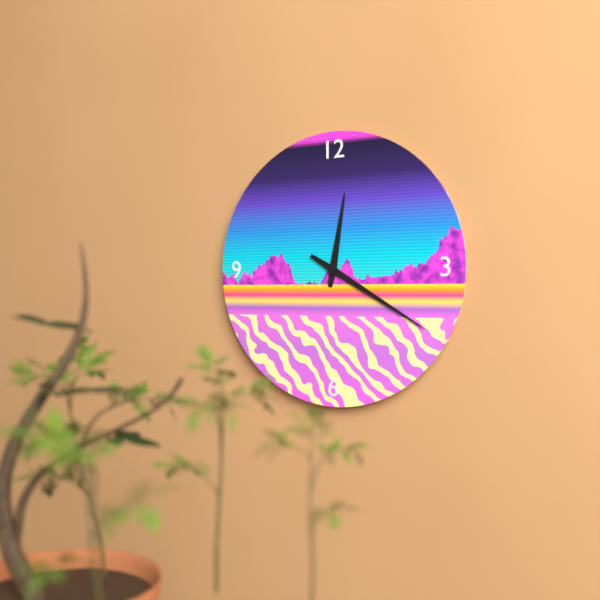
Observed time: 12:20
